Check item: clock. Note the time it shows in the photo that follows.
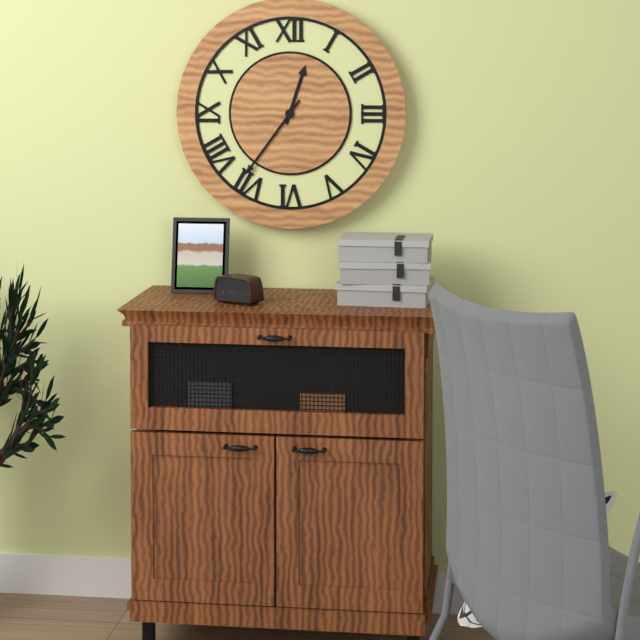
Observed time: 12:36
